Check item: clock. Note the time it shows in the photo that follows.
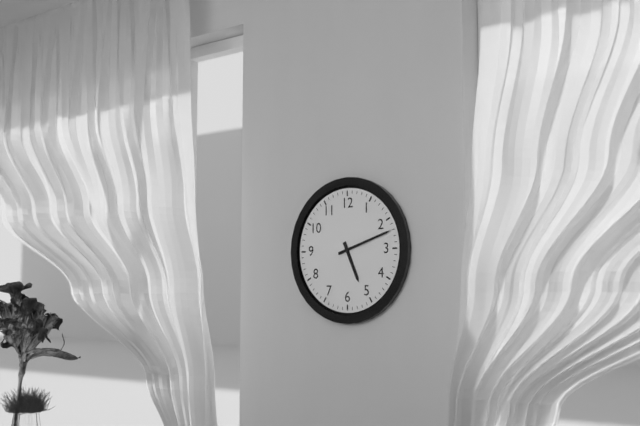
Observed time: 5:12
